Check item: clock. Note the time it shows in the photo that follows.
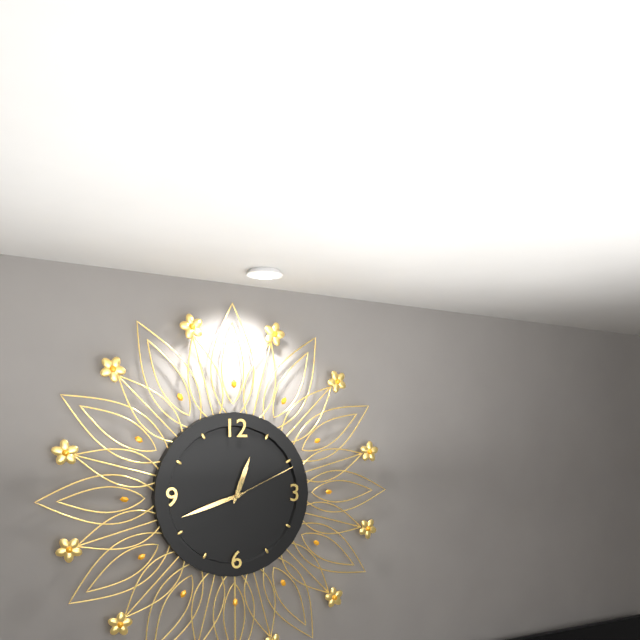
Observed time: 12:42:11
